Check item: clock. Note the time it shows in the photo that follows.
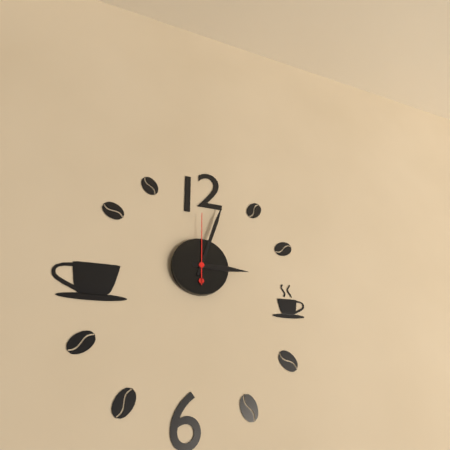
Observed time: 3:03:00
